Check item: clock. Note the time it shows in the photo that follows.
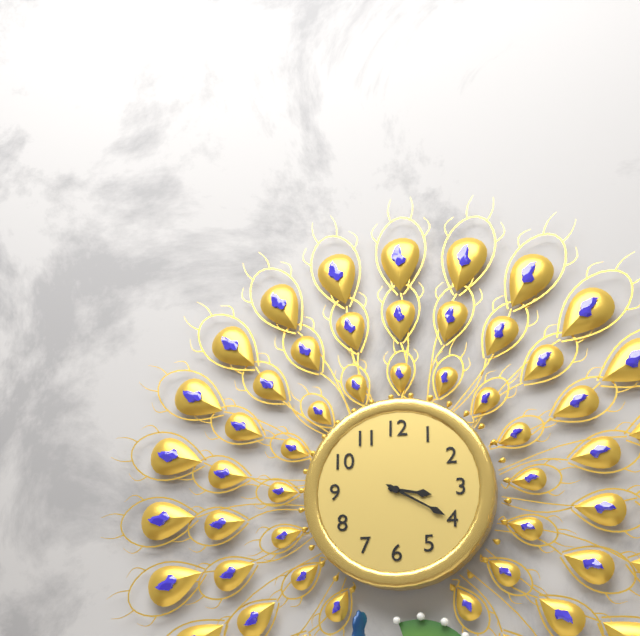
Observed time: 3:20
